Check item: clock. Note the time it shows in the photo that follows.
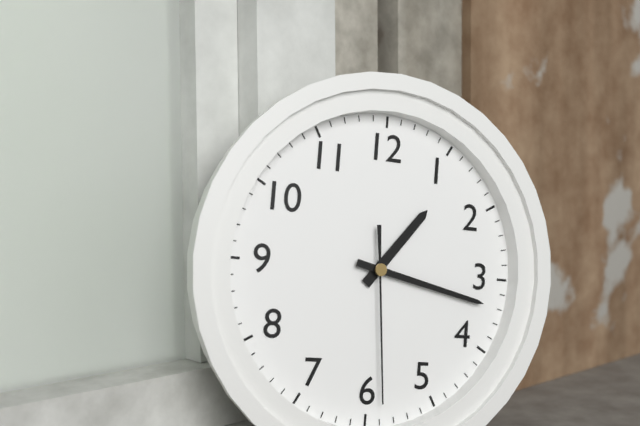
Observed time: 1:17:29
